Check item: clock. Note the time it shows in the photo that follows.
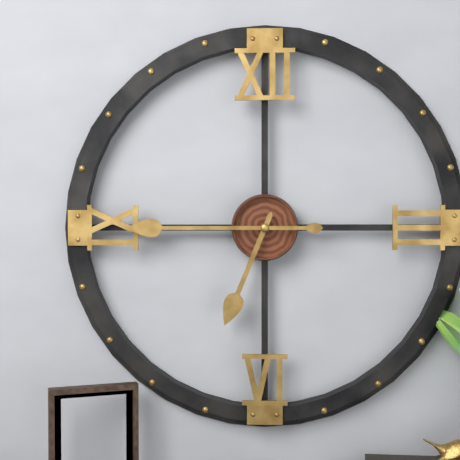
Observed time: 6:45
